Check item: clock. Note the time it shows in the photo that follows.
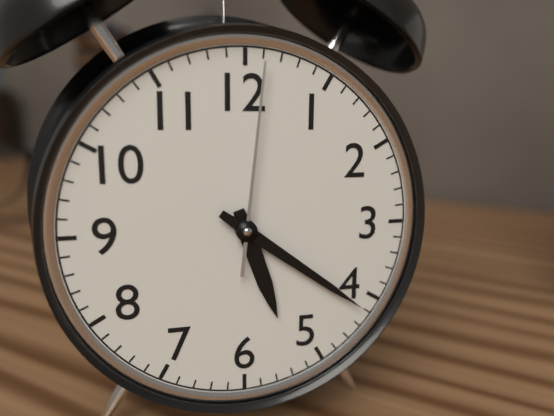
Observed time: 5:21:01
